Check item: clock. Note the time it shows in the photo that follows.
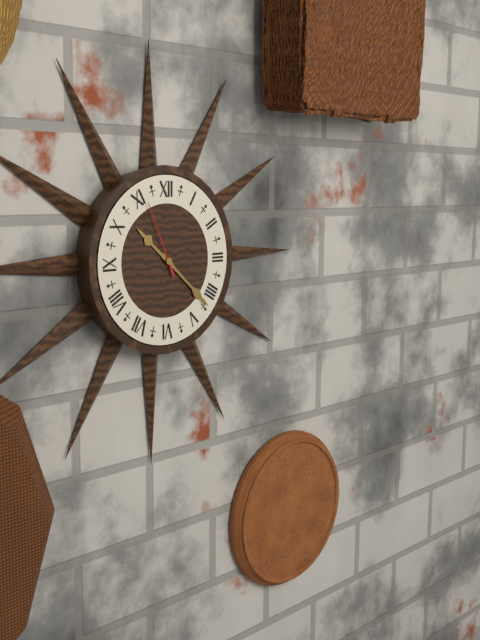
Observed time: 10:22:56
